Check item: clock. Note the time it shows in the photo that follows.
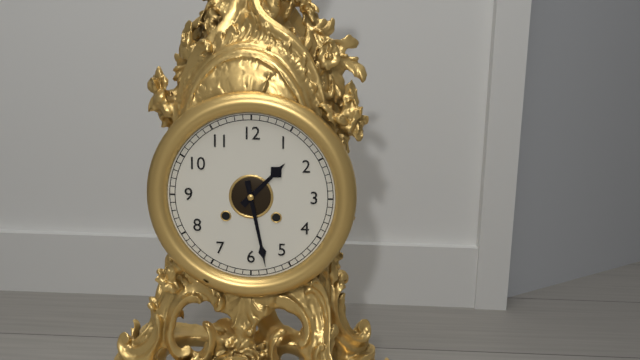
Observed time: 1:28
